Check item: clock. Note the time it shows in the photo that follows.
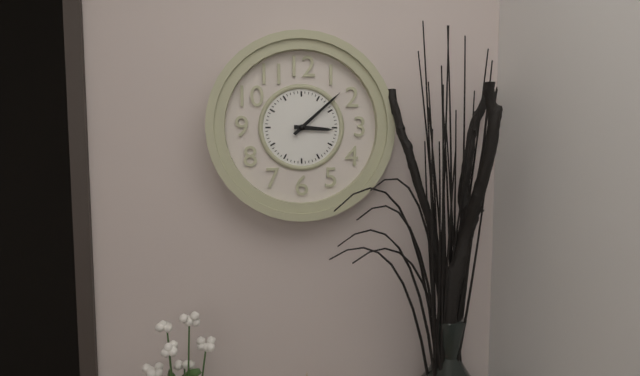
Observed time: 3:08
